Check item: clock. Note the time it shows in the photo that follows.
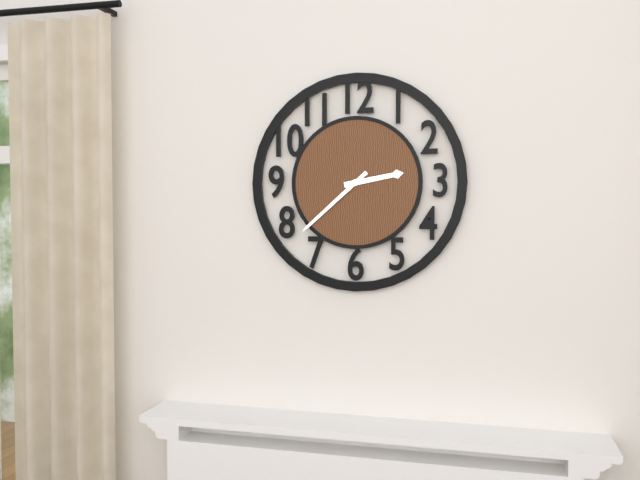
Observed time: 2:38
